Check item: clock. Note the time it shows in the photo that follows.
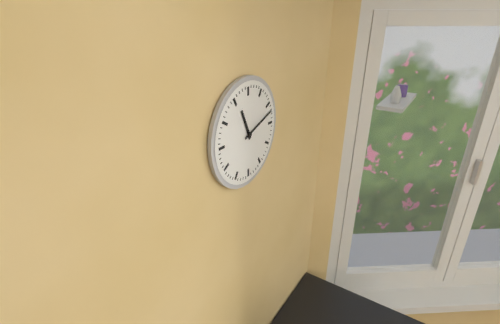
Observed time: 11:12
